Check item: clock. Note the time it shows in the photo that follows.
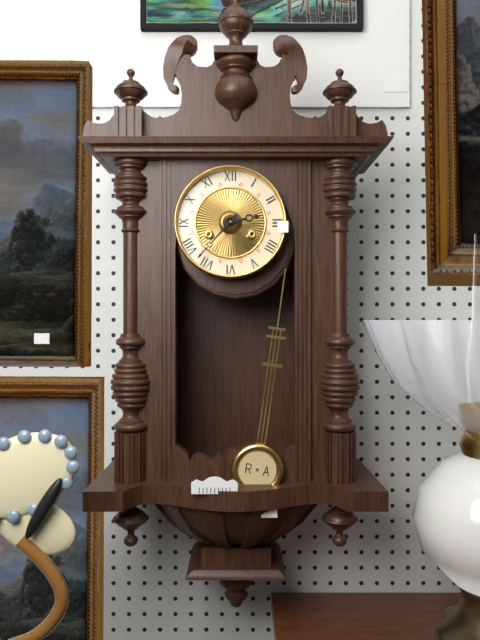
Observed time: 2:37
